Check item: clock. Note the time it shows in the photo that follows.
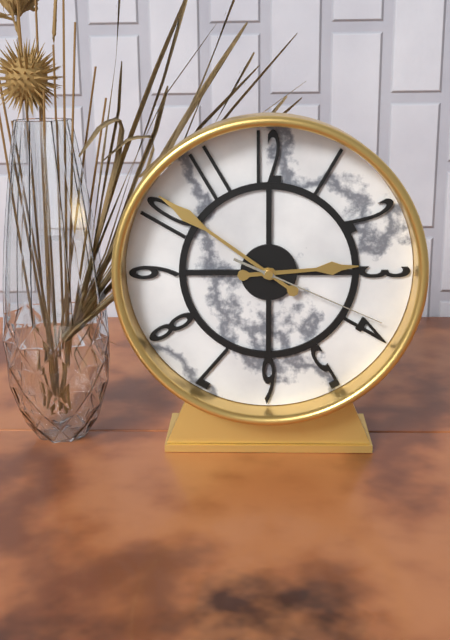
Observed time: 2:51:19
